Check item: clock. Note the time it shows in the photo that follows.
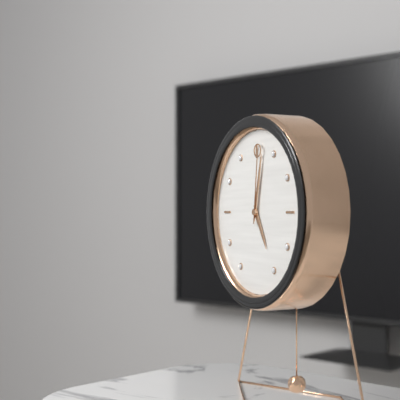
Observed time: 5:02:01
